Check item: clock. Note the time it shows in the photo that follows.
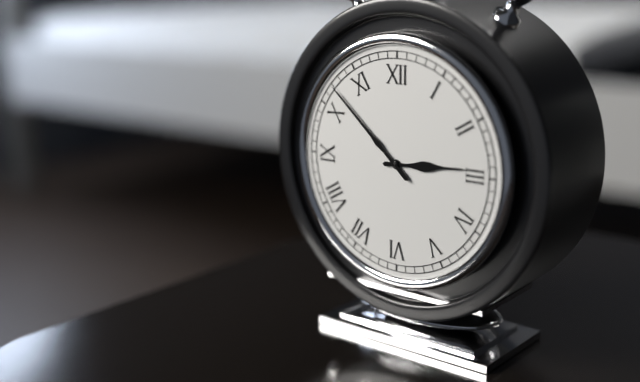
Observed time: 2:52
